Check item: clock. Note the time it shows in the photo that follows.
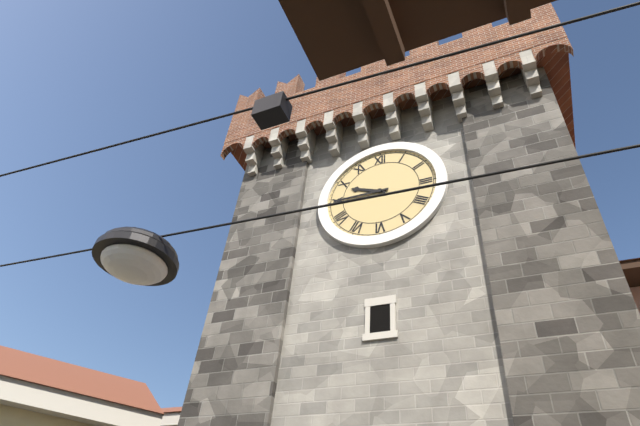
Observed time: 9:45
